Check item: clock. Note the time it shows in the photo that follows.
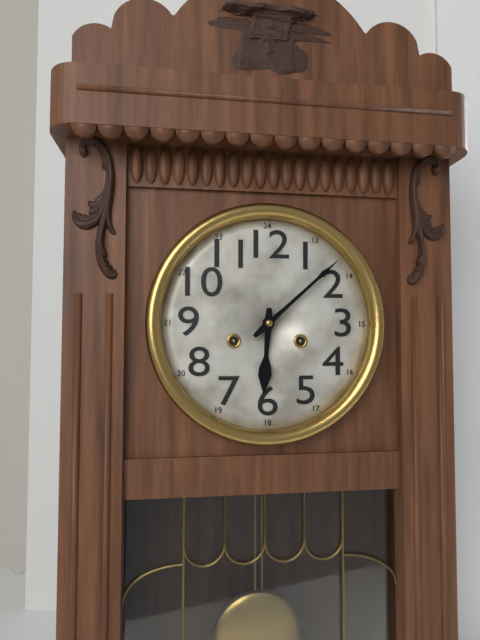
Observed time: 6:08
